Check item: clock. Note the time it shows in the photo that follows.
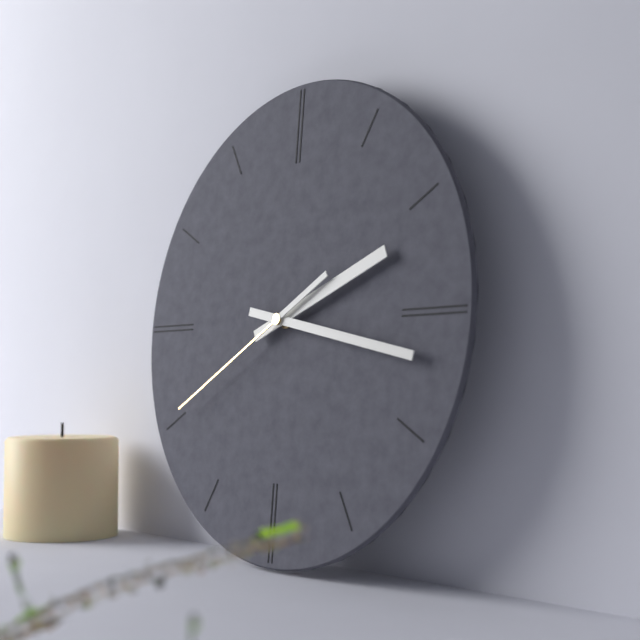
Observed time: 2:17:40
